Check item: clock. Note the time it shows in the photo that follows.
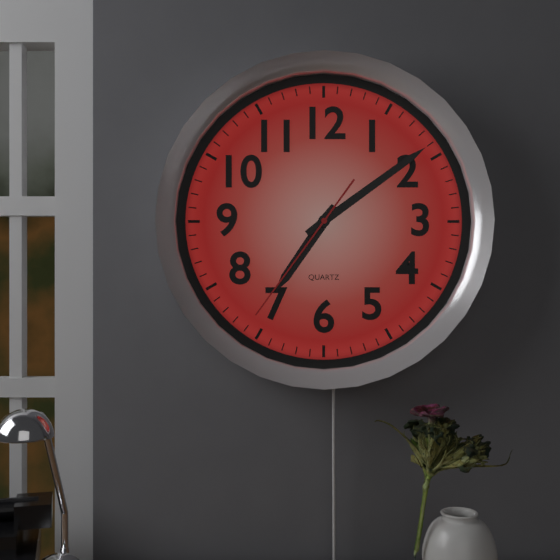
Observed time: 7:09:36
